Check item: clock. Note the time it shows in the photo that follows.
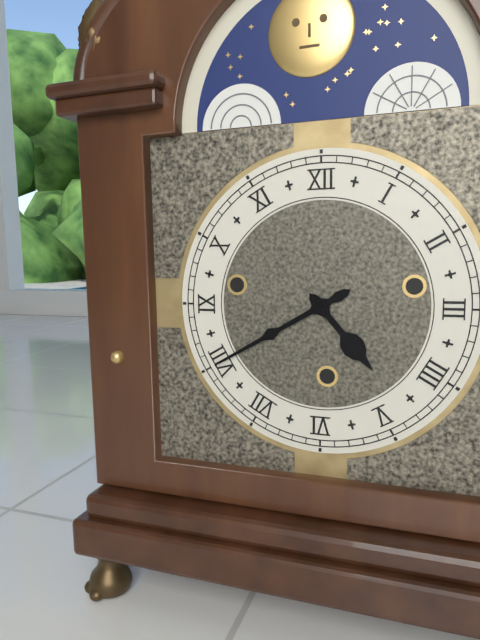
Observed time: 4:40
